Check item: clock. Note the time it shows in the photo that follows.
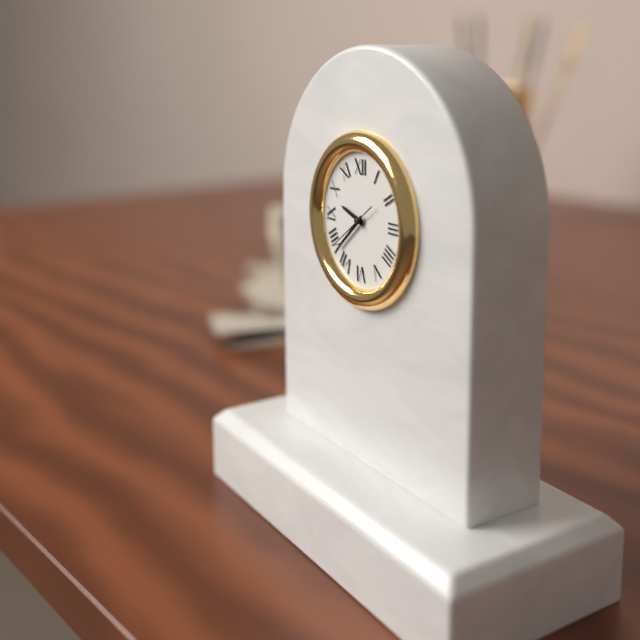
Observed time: 9:38
